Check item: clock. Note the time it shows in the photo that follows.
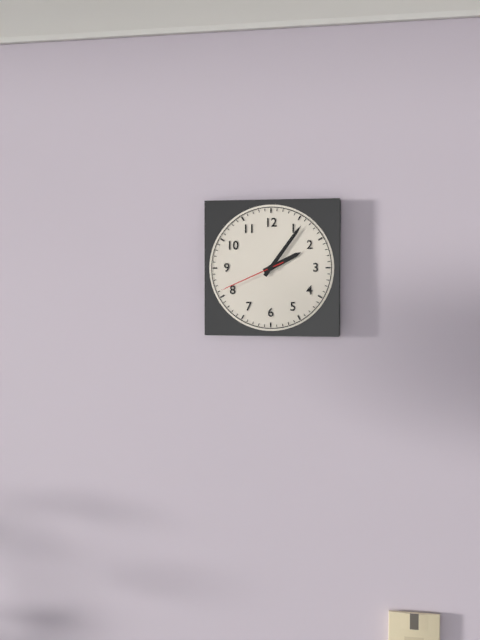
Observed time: 2:06:41
